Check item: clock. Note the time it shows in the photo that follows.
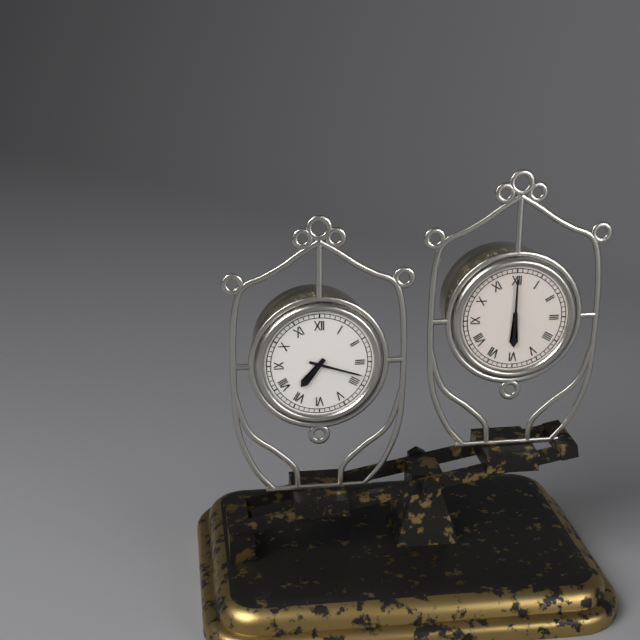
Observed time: 7:18
